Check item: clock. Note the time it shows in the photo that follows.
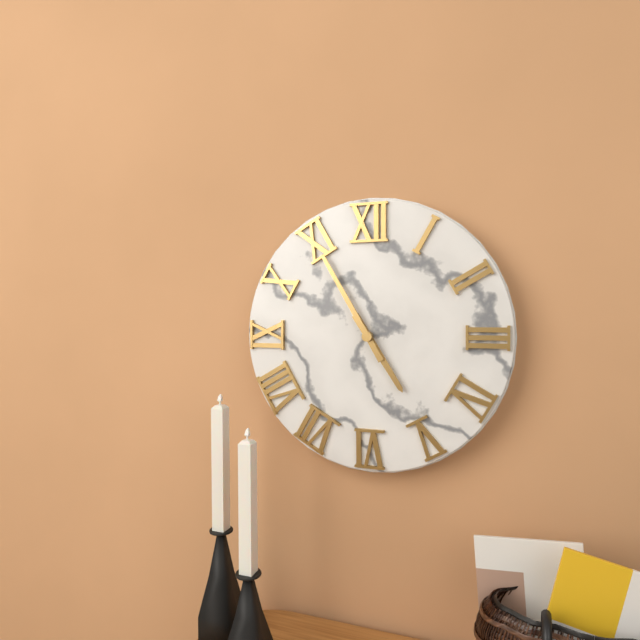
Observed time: 4:55
